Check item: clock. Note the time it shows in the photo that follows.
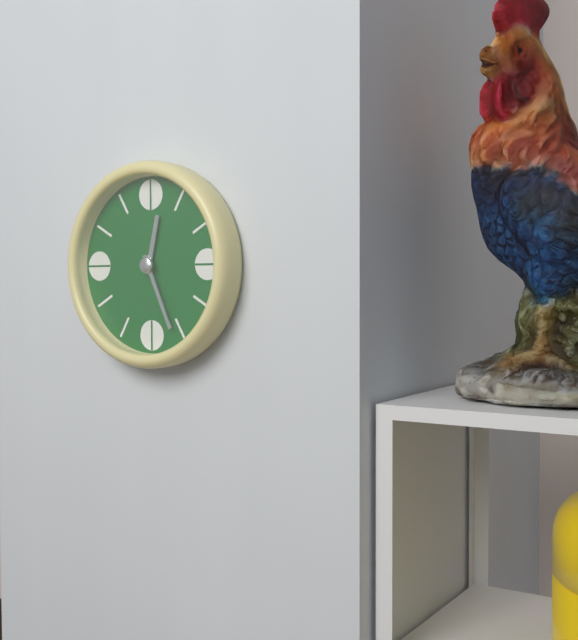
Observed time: 12:26
